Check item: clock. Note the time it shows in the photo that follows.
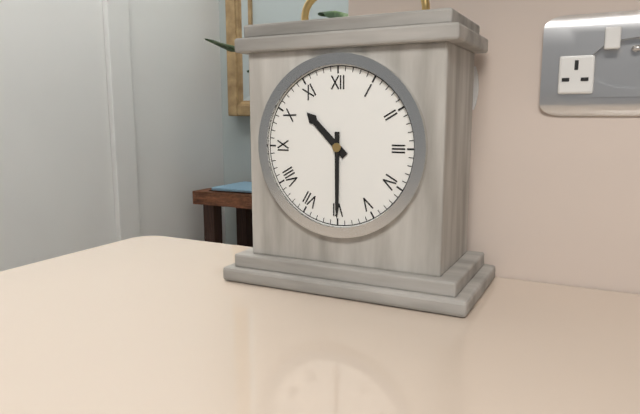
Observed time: 10:30
